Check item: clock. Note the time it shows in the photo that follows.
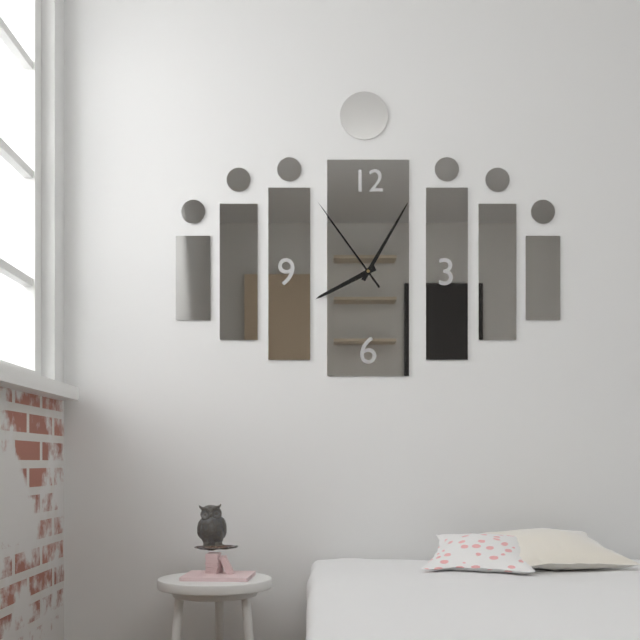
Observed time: 8:05:54
